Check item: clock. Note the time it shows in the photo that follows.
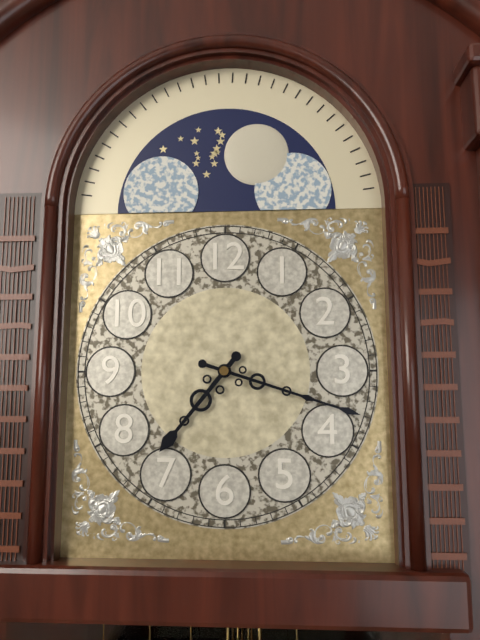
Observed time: 7:18
